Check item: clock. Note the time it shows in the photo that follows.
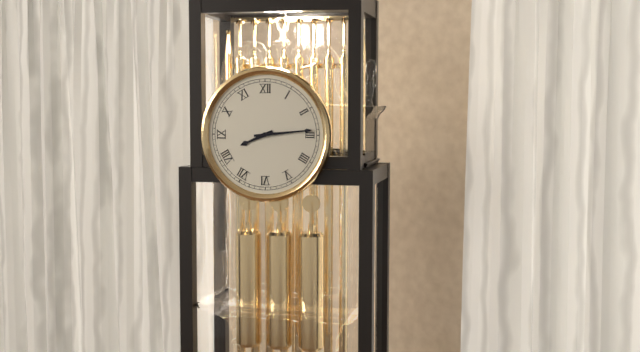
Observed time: 8:14
